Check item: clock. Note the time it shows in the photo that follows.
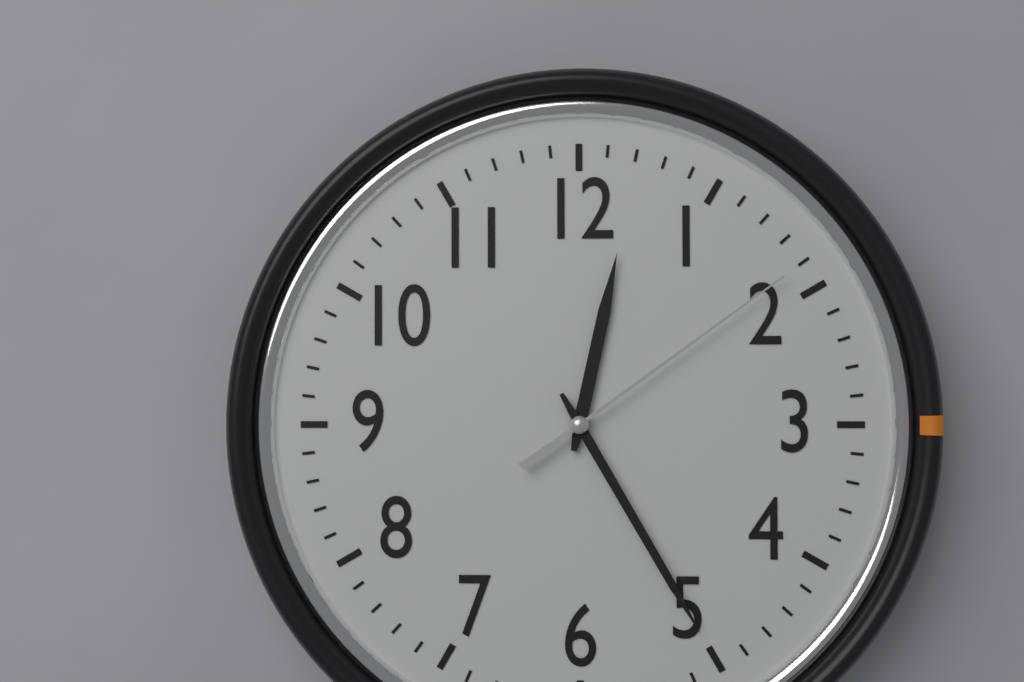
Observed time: 12:25:09
